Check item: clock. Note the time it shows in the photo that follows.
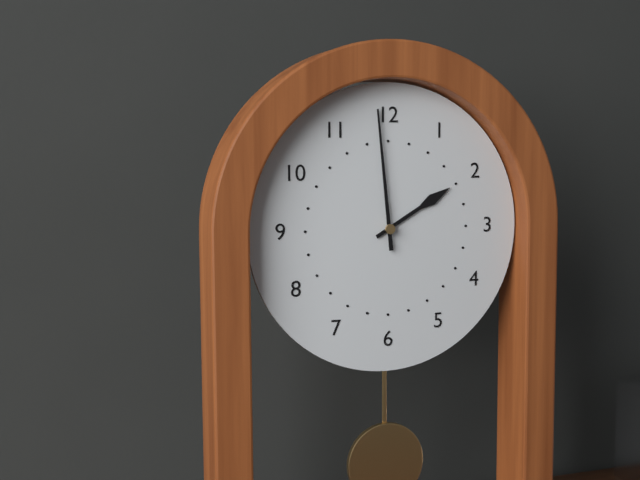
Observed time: 1:59
